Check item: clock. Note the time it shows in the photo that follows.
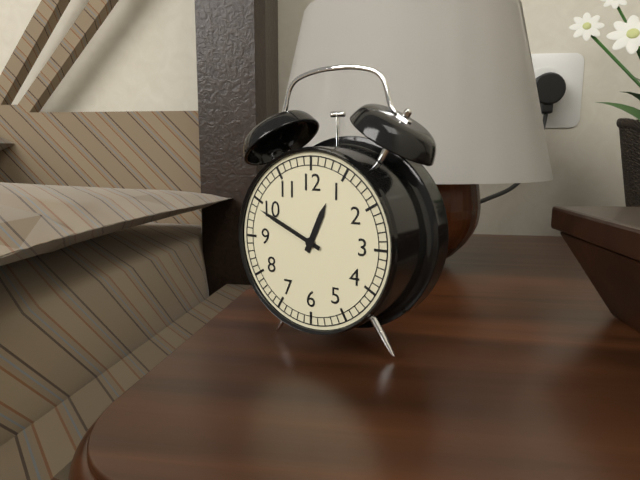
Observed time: 12:49
